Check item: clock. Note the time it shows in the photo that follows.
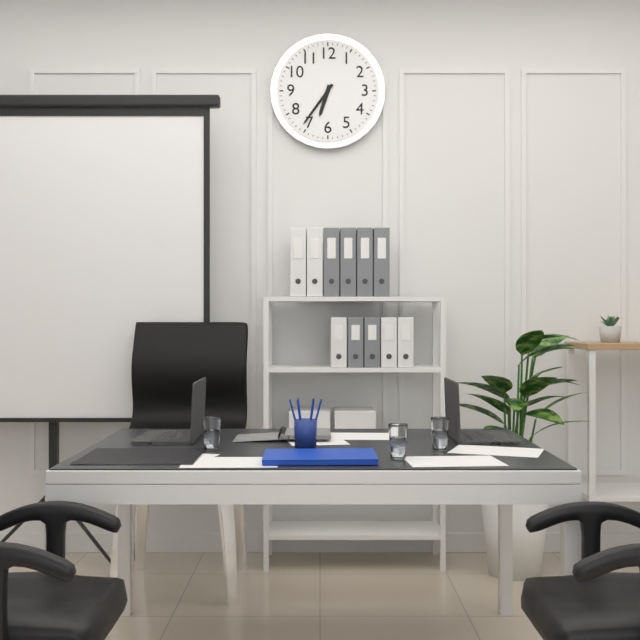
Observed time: 6:36
